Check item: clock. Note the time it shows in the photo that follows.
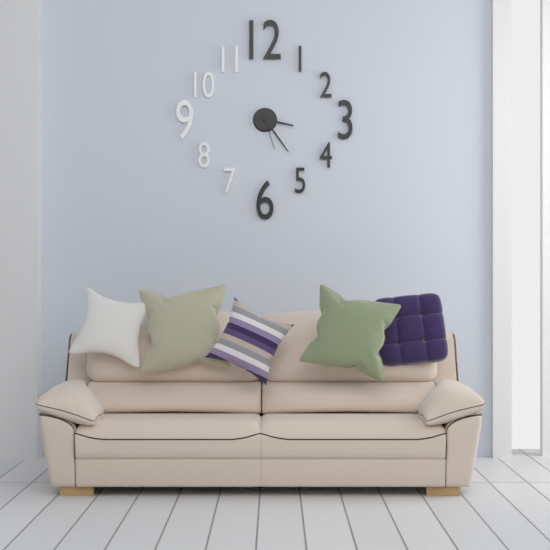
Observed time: 3:24
